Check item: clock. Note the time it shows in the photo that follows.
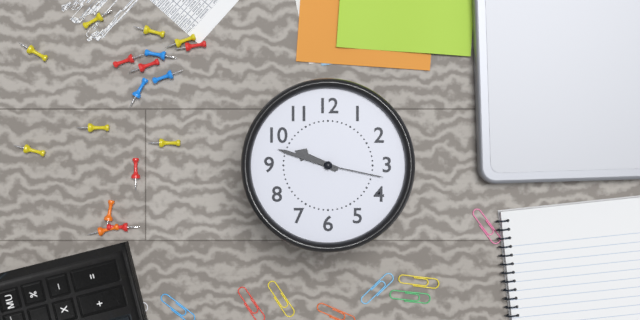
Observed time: 9:48:17
